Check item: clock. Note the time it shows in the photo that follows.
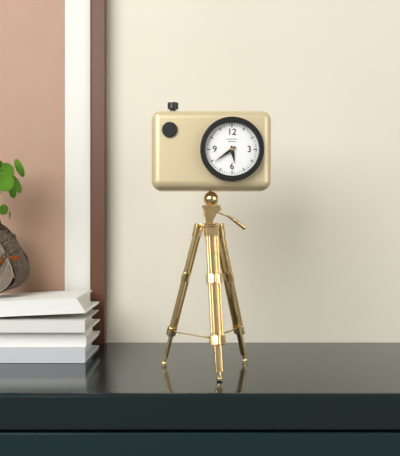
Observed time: 5:39
